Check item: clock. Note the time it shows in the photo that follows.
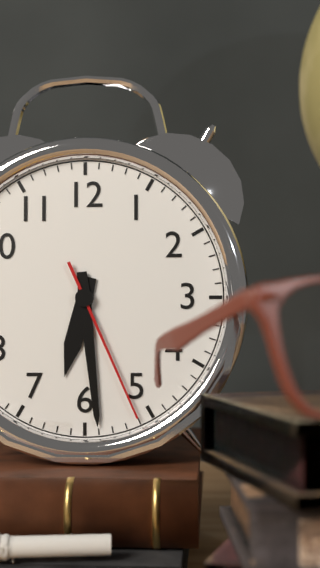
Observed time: 6:29:26
